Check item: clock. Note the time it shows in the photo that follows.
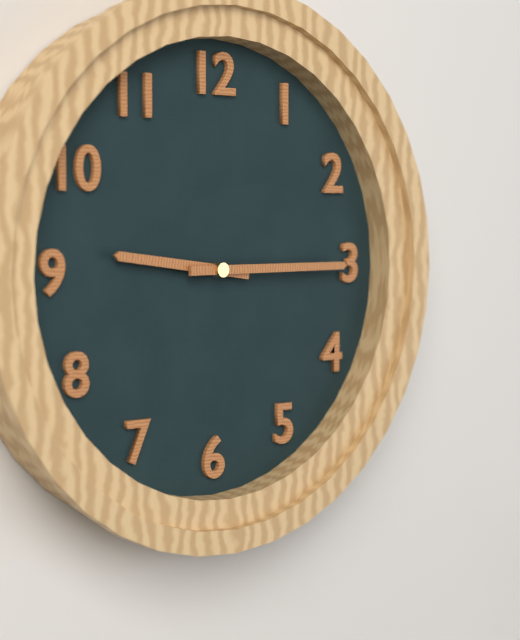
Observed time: 9:15
